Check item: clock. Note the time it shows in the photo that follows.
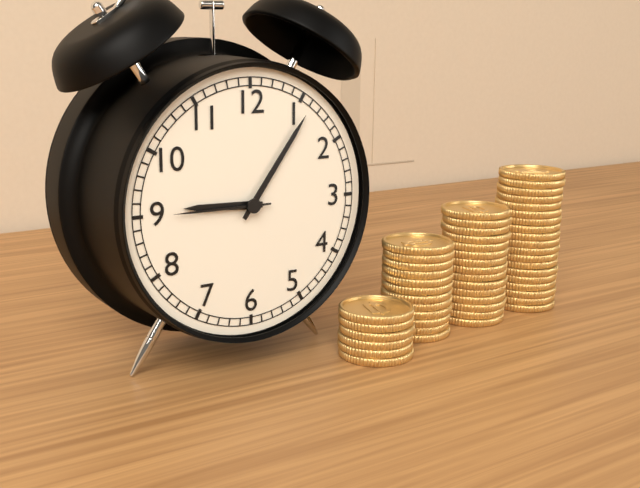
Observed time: 9:06:45
